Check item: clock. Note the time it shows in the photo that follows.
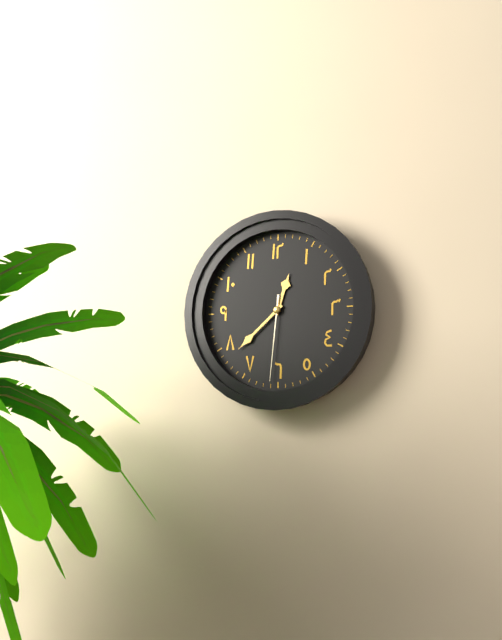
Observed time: 12:38:31
